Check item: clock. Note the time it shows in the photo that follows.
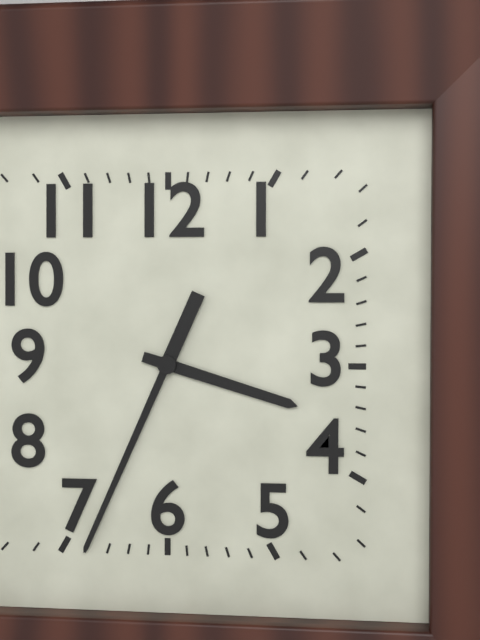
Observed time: 3:34
